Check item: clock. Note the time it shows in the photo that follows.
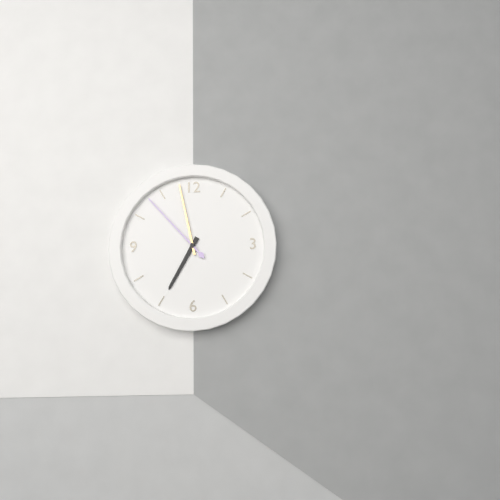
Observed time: 6:58:53
